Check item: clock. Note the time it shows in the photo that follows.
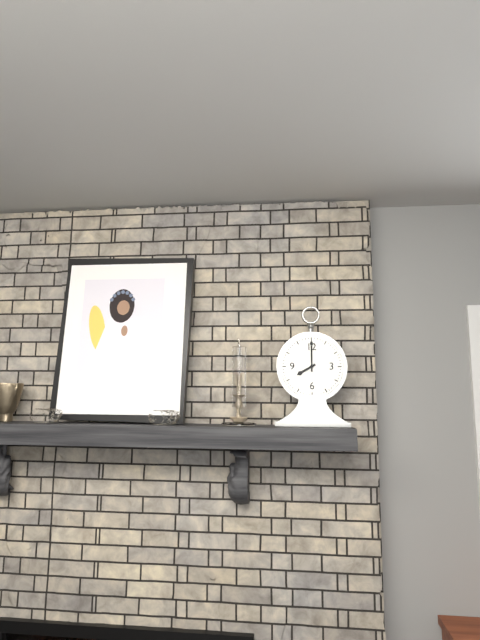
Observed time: 8:00
